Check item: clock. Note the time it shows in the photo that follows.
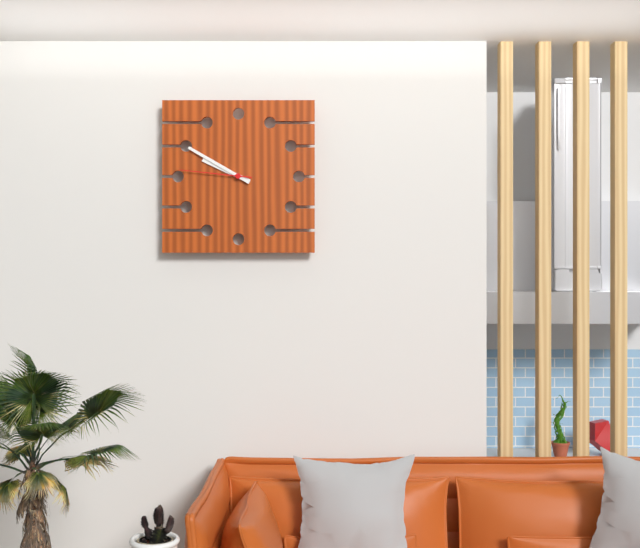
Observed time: 9:50:46
